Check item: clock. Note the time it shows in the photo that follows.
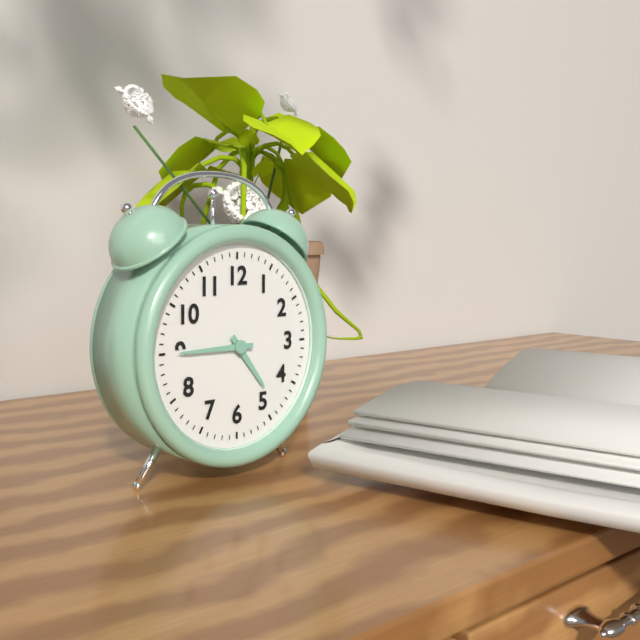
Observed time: 4:45
